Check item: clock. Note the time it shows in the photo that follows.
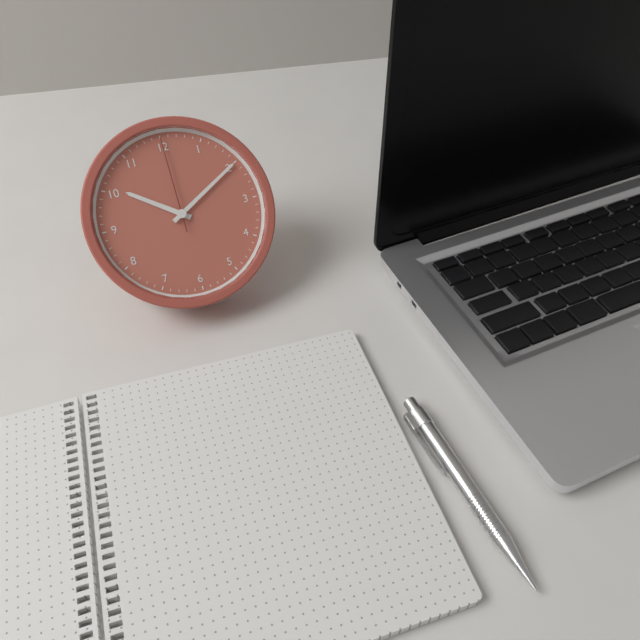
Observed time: 10:10:00
